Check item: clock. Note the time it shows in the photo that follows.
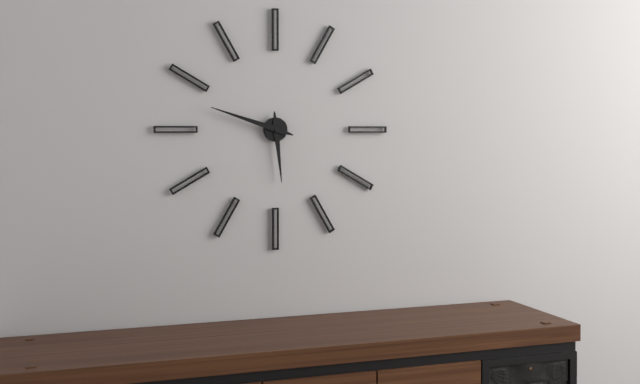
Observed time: 5:48
